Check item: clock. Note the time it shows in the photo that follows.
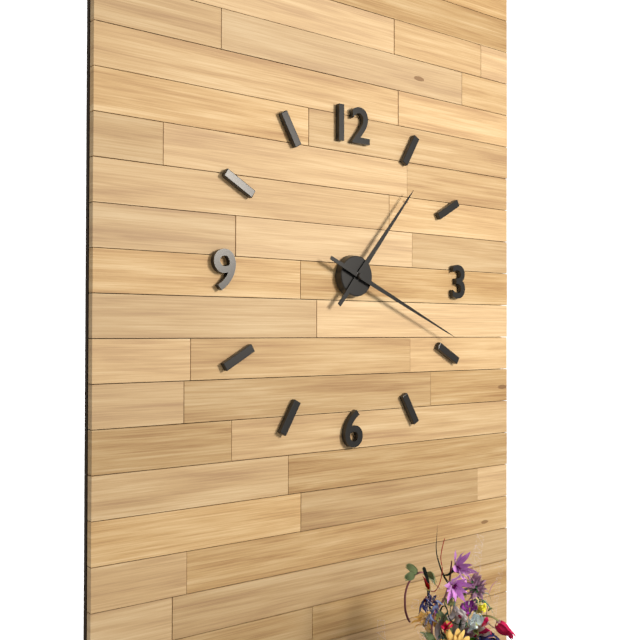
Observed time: 1:19
